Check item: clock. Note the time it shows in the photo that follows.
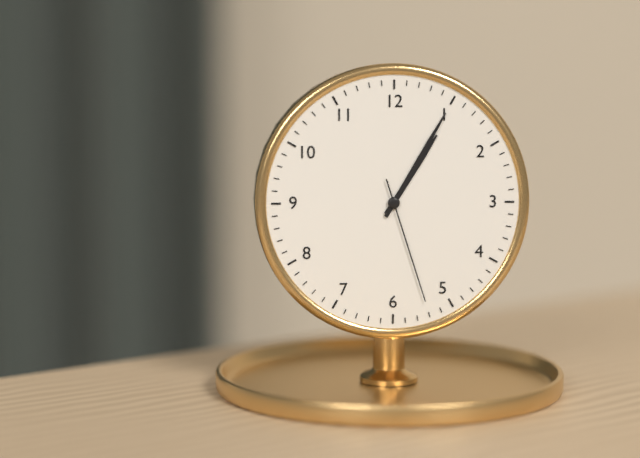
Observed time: 1:05:27
